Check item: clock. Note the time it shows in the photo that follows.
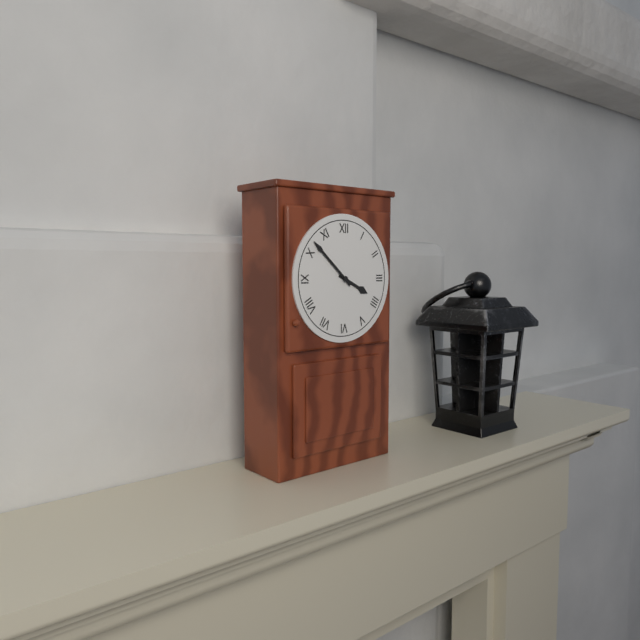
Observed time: 3:52
